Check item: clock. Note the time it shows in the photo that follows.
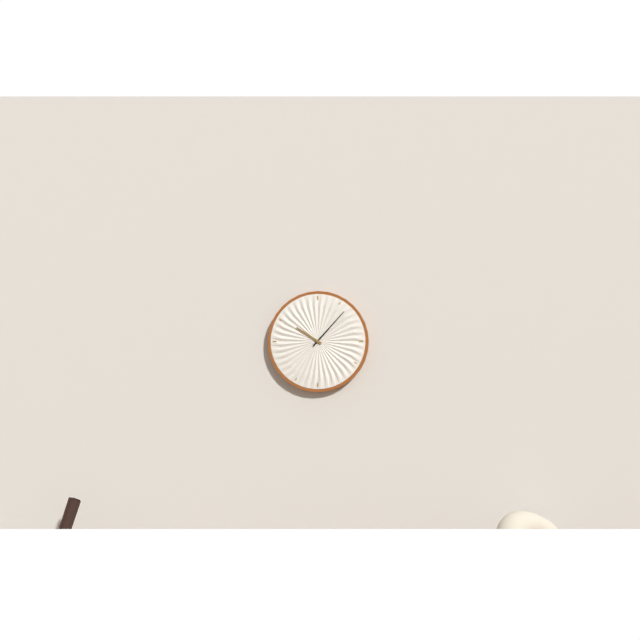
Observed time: 10:07
